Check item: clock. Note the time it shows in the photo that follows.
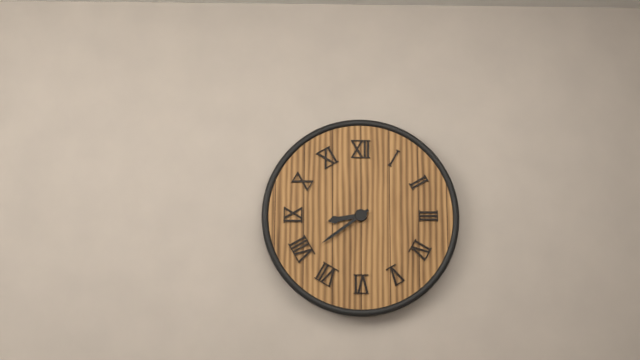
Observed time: 8:39
